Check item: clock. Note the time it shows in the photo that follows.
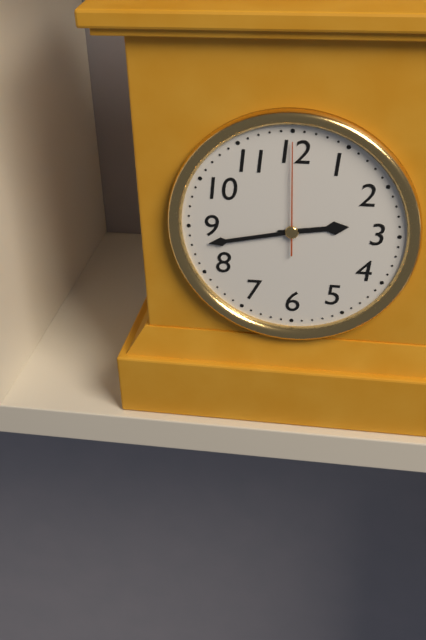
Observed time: 2:43:00
